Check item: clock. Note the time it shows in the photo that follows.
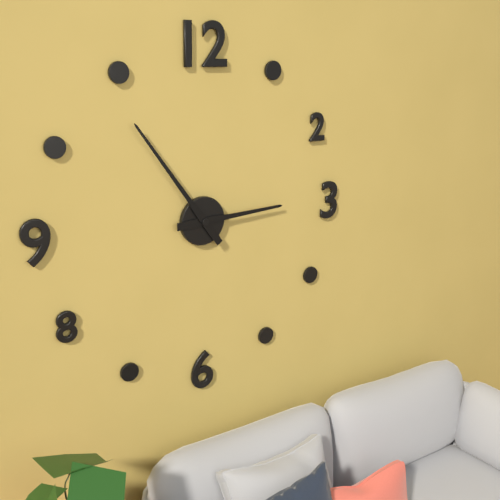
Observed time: 2:54
